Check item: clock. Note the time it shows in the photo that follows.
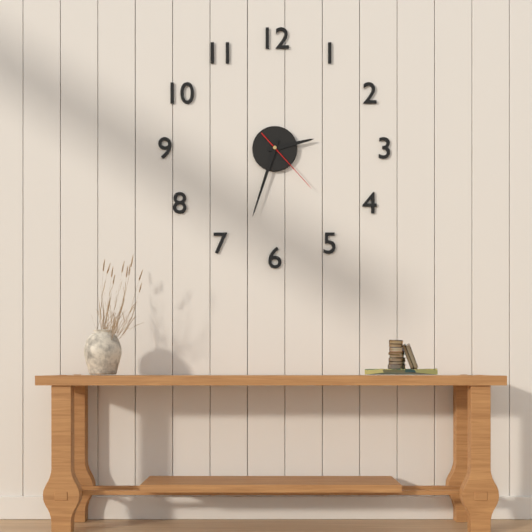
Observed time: 2:33:23
